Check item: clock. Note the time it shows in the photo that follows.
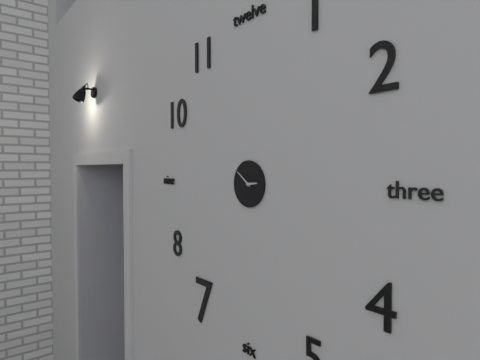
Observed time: 2:51
